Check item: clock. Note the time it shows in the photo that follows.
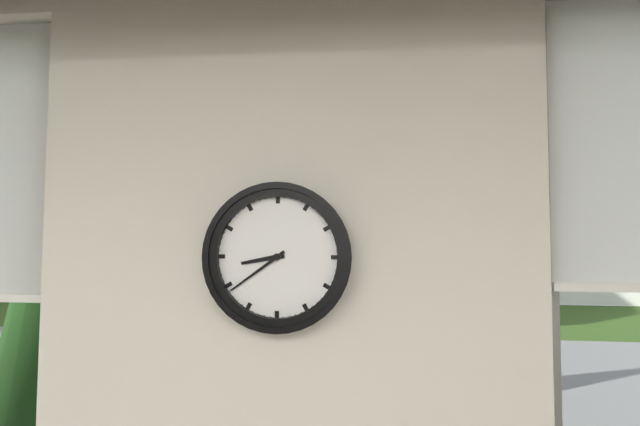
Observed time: 8:39
